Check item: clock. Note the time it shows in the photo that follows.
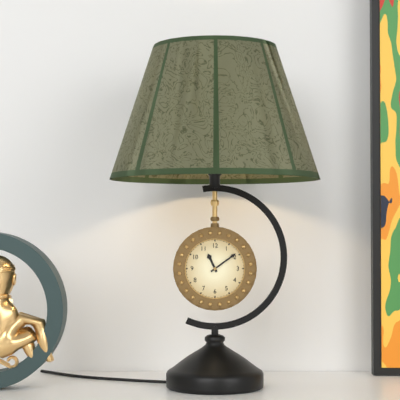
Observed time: 11:09
